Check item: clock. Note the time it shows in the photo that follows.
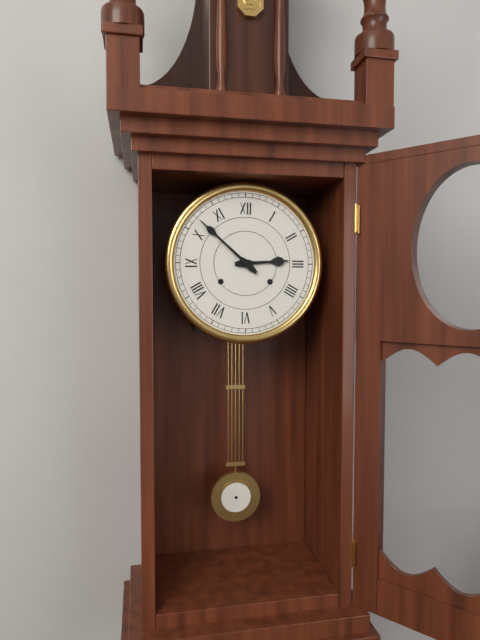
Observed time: 2:52
